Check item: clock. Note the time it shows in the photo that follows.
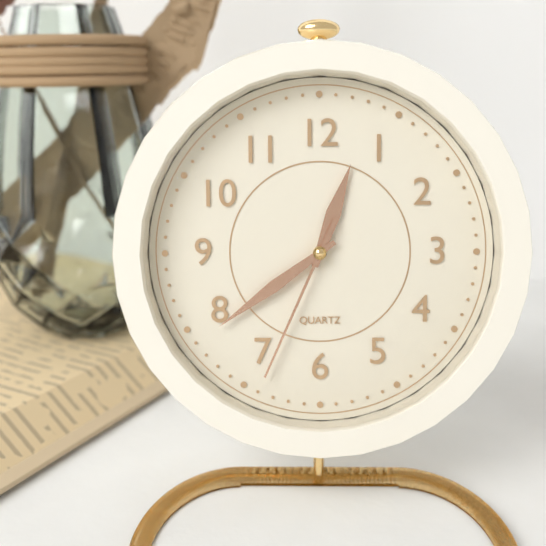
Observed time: 12:39:34
